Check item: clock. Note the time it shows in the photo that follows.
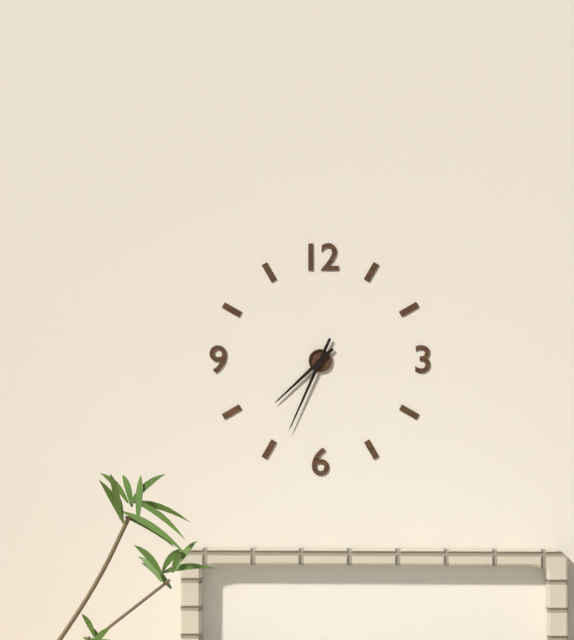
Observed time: 7:34
